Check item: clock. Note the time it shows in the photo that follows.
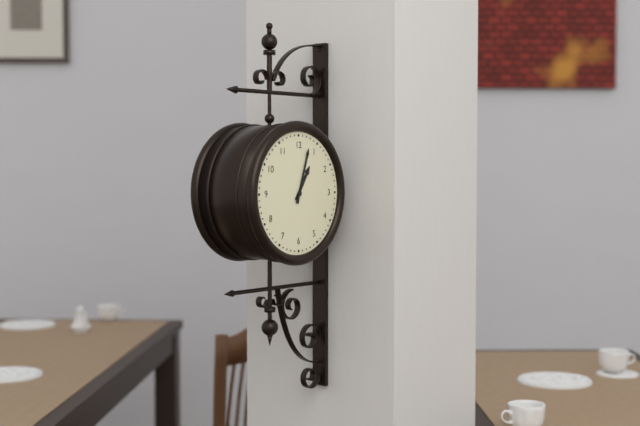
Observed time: 1:03
